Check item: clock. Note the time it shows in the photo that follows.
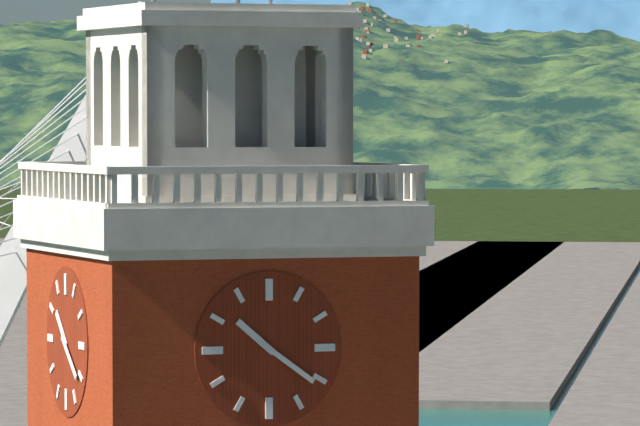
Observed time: 10:21
